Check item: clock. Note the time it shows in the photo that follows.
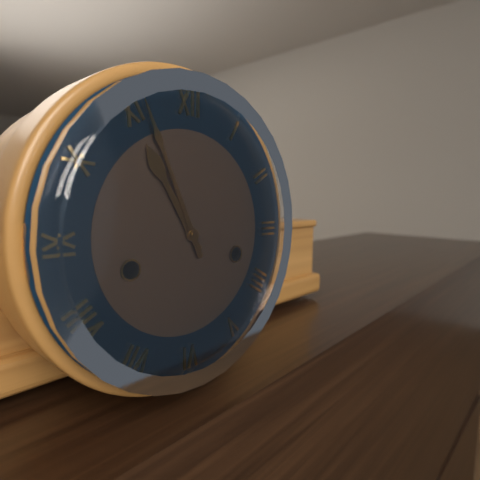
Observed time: 10:56
